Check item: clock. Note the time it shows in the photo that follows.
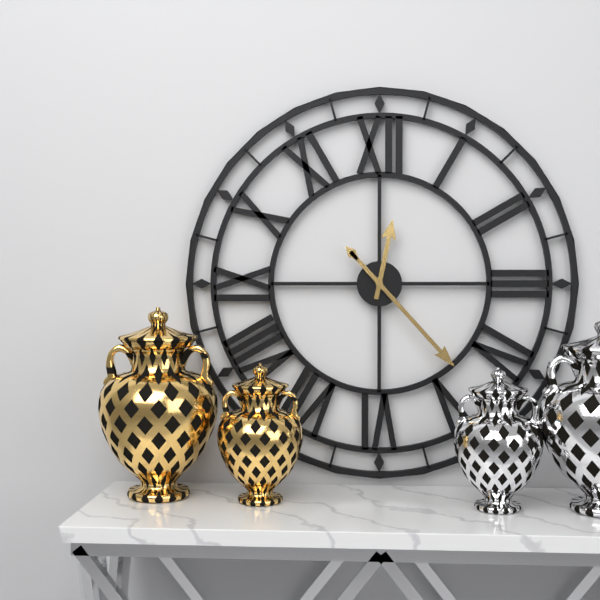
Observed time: 12:23
